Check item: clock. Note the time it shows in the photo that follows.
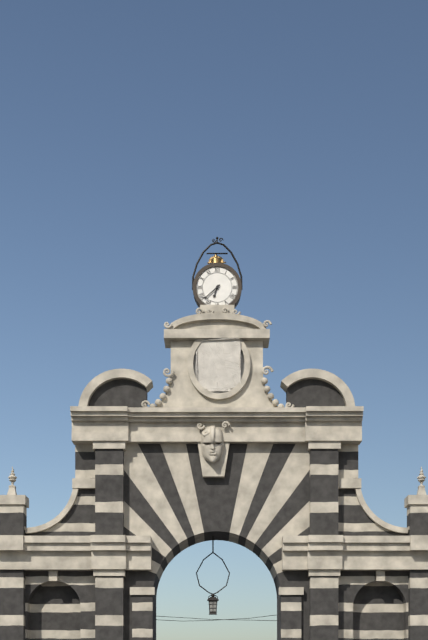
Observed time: 6:38
